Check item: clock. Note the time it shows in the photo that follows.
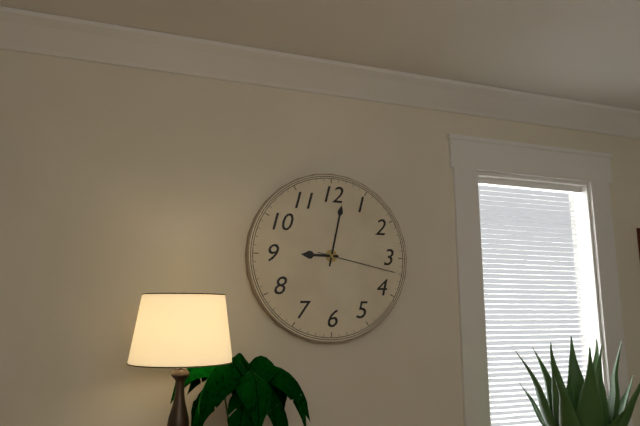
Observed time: 9:02:17
